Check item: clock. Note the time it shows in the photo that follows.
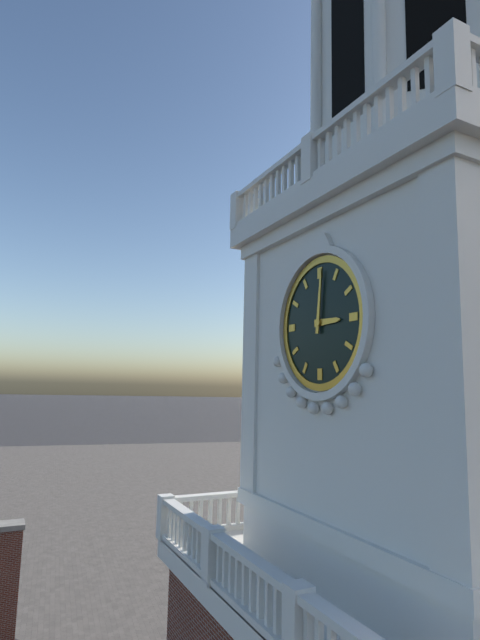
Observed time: 3:01
